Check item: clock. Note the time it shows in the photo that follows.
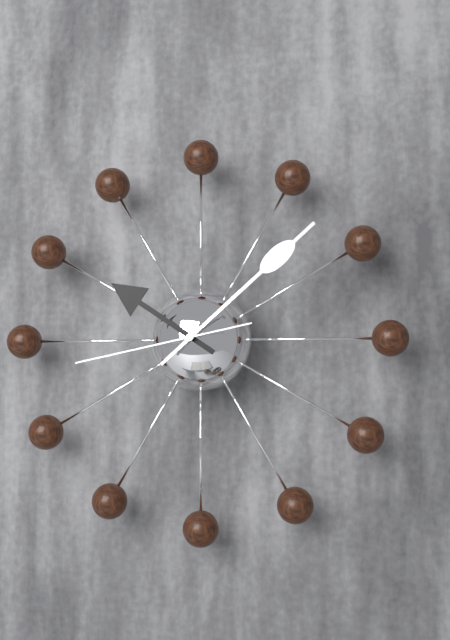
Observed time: 10:08:43
